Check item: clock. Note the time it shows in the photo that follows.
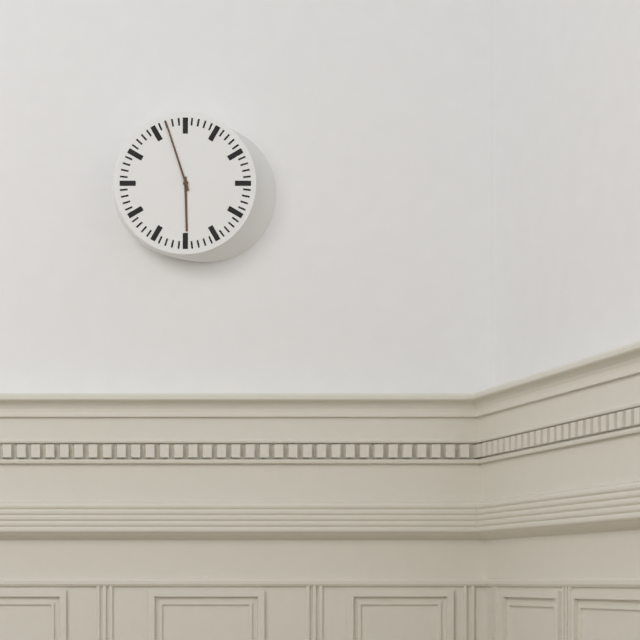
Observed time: 5:57
